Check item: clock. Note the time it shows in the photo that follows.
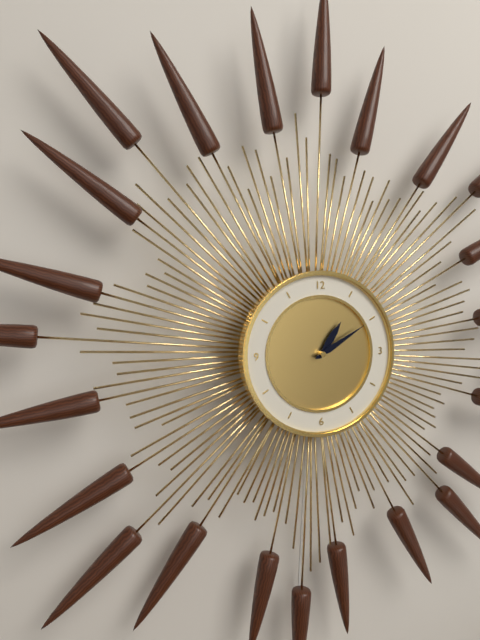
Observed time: 1:10
